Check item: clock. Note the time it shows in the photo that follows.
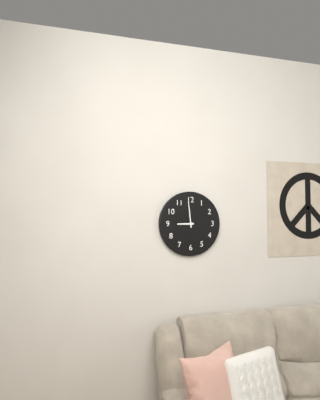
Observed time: 8:59
